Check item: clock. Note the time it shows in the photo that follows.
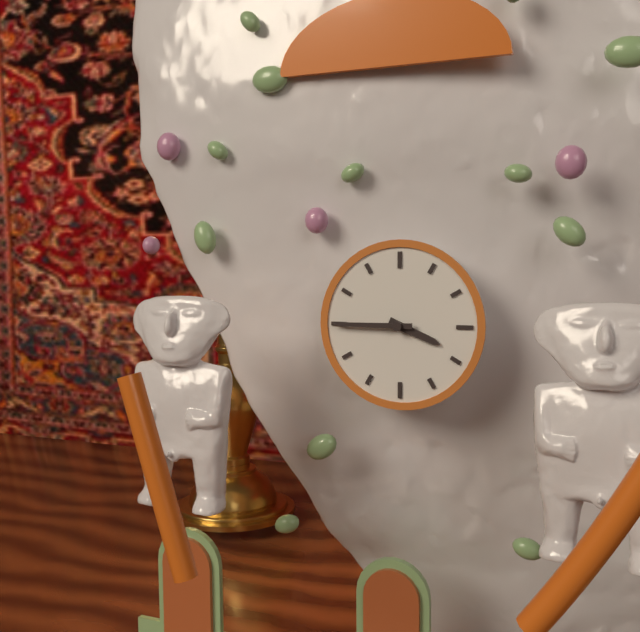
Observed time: 3:45
